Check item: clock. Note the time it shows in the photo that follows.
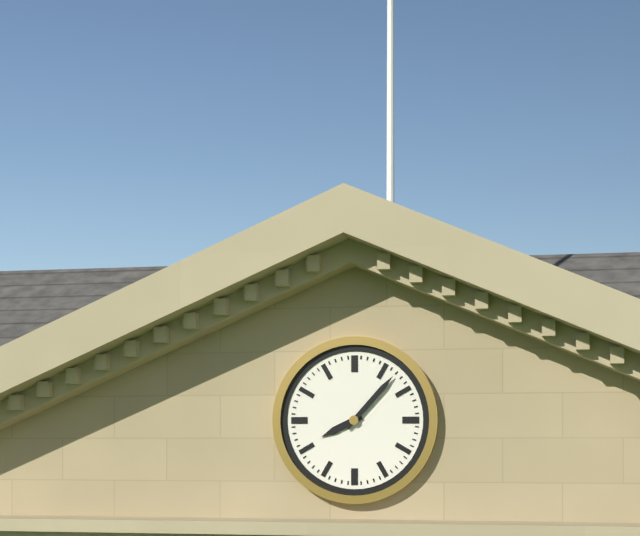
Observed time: 8:07
